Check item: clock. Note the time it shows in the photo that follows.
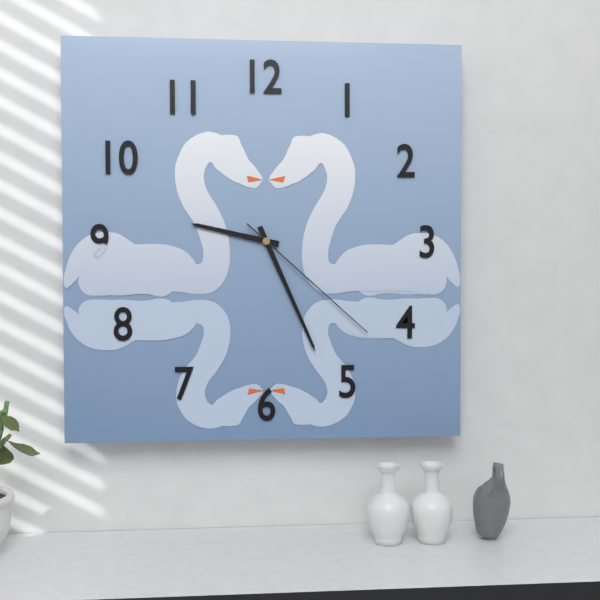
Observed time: 9:26:22
